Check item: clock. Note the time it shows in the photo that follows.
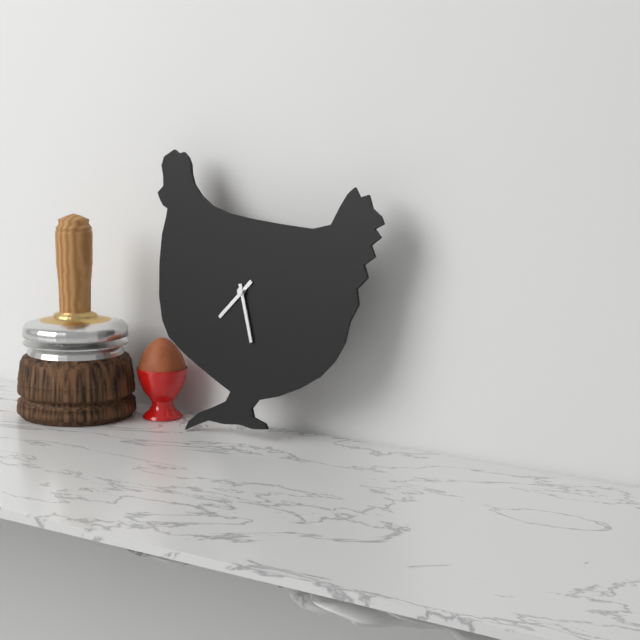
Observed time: 7:27
